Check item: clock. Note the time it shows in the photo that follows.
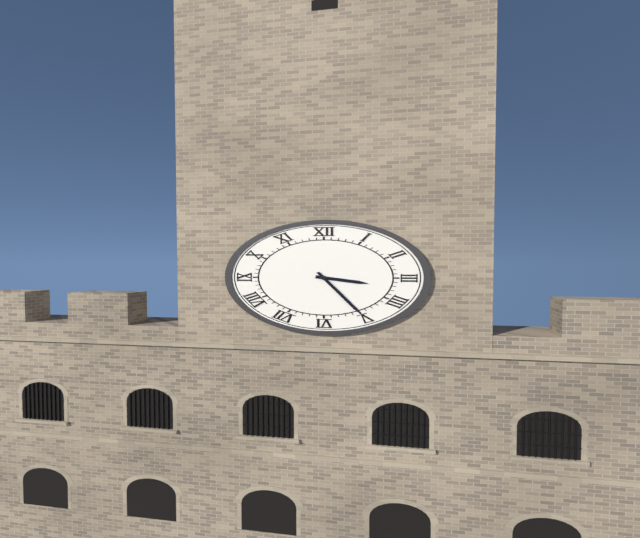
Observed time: 3:25
